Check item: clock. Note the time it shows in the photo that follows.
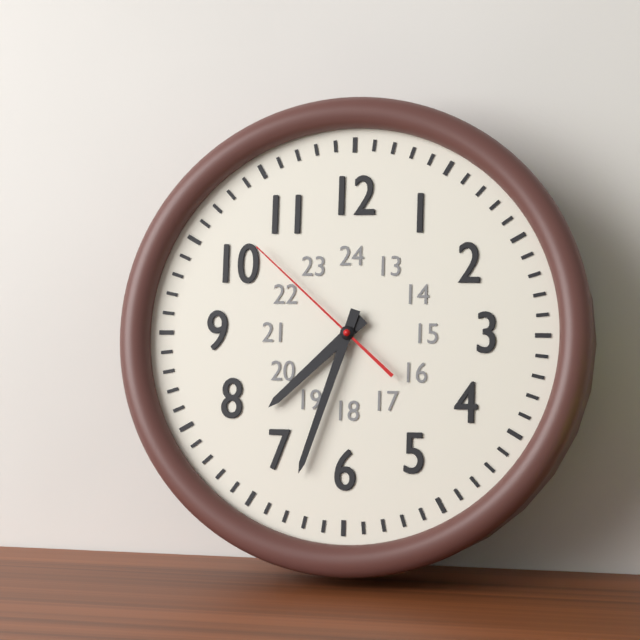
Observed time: 7:33:52
